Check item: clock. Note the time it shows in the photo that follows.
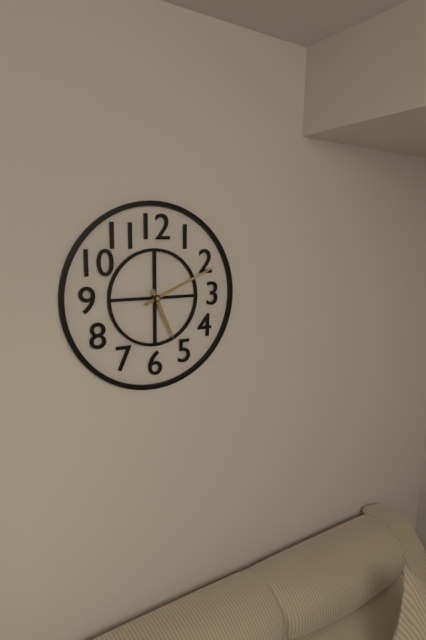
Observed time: 5:11
